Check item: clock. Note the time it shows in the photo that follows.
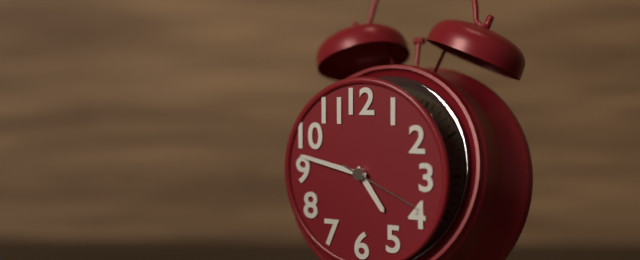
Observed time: 4:47:19
